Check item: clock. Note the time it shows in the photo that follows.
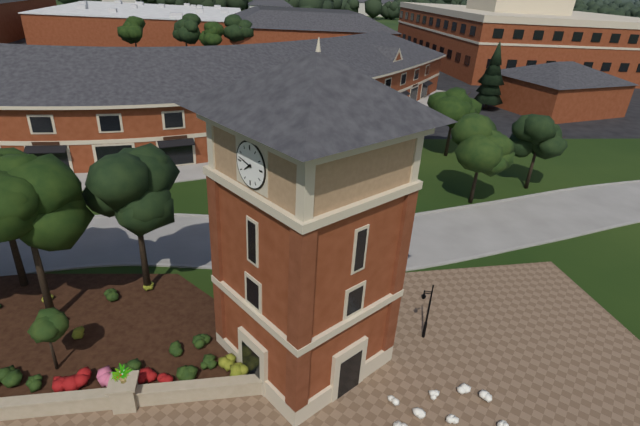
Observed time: 7:47
